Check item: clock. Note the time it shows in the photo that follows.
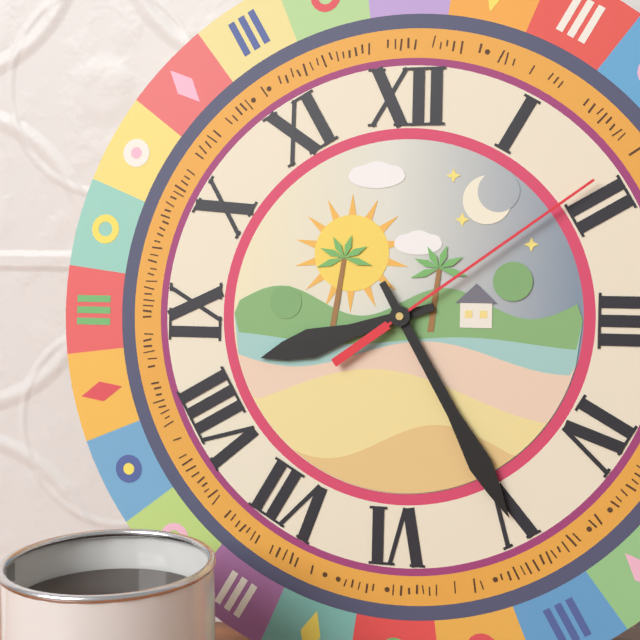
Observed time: 8:25:09
